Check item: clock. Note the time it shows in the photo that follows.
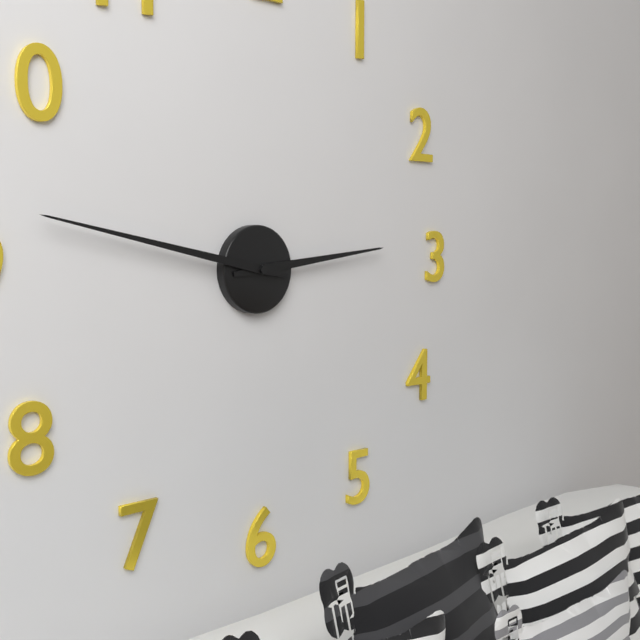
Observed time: 2:47
